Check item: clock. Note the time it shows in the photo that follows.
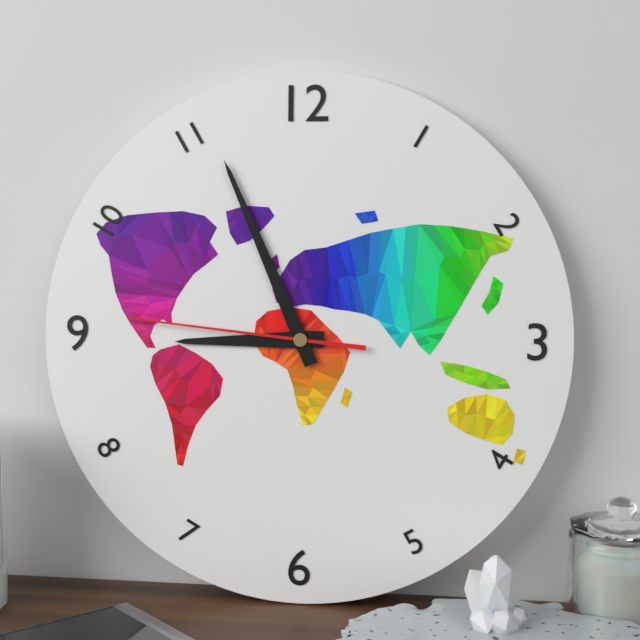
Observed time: 8:56:46
